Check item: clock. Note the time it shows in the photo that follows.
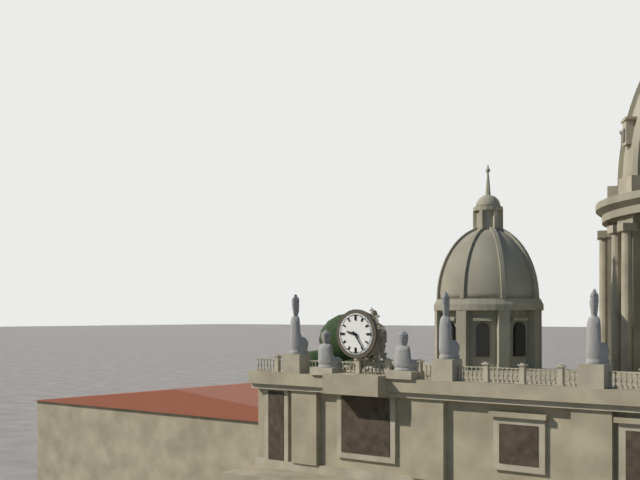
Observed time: 9:24
